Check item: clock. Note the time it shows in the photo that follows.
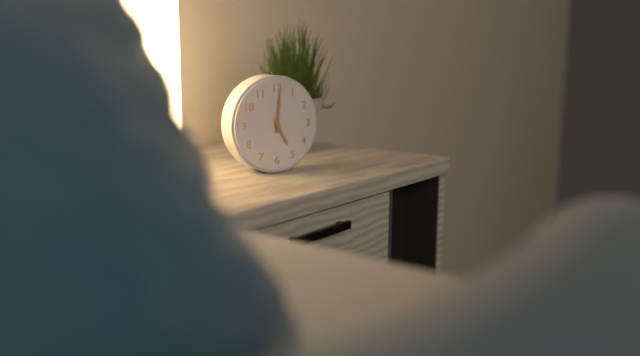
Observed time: 5:01
